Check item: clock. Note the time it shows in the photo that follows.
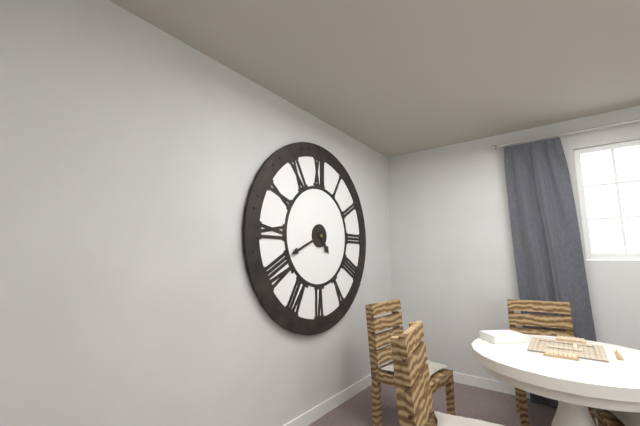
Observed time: 4:41
